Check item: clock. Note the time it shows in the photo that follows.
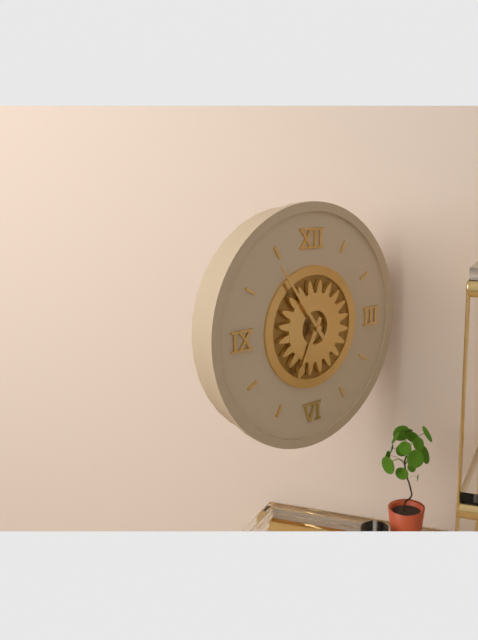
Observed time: 6:54
